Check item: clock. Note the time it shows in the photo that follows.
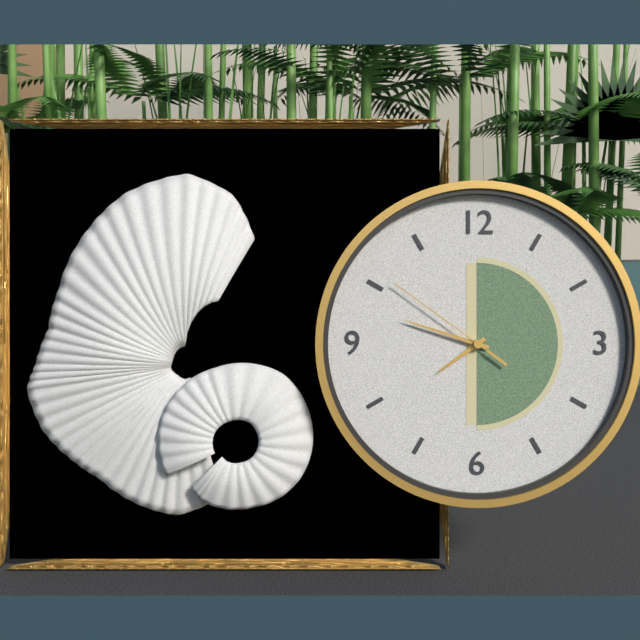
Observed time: 7:48:51
